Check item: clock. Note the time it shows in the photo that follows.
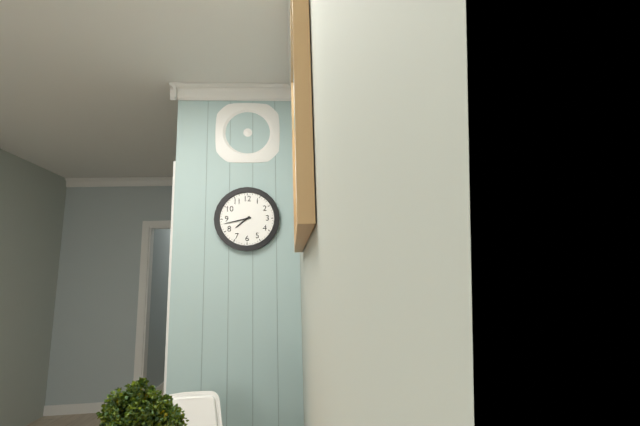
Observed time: 7:43
